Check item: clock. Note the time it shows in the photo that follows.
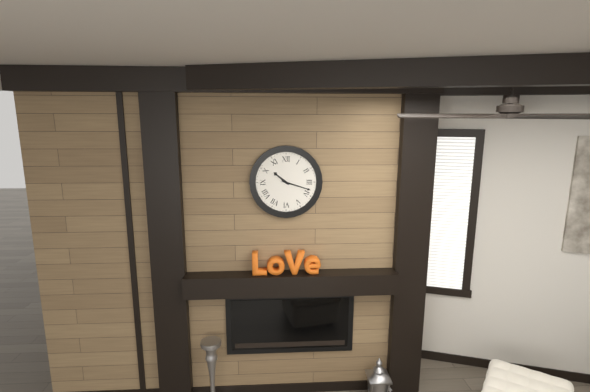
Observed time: 10:18
